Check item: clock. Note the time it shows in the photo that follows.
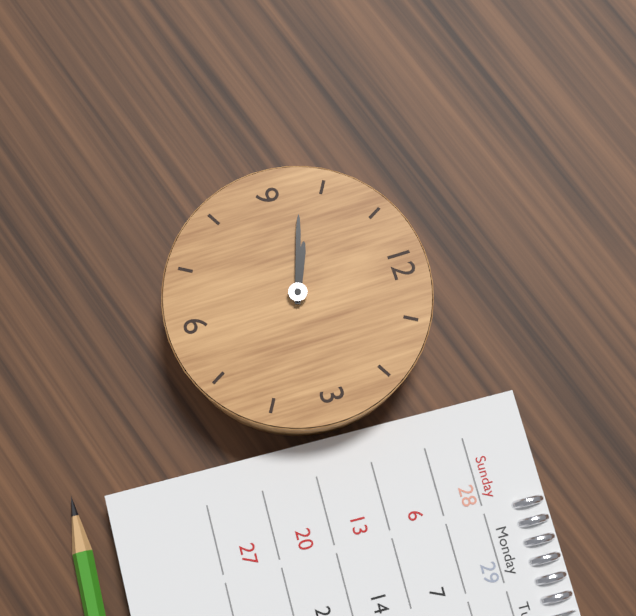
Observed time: 9:48
